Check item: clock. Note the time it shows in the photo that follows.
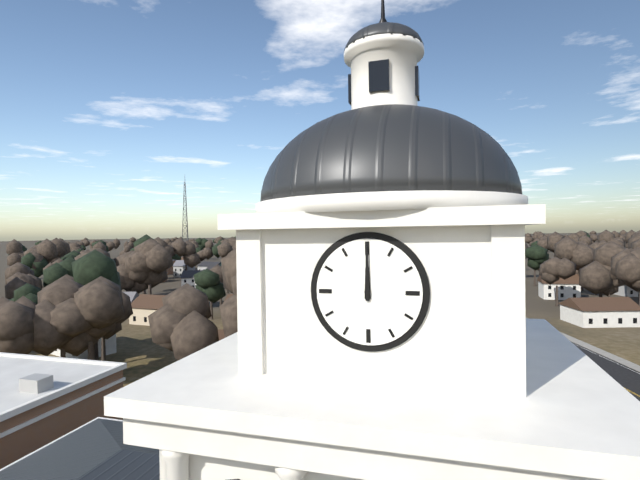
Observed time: 12:00
